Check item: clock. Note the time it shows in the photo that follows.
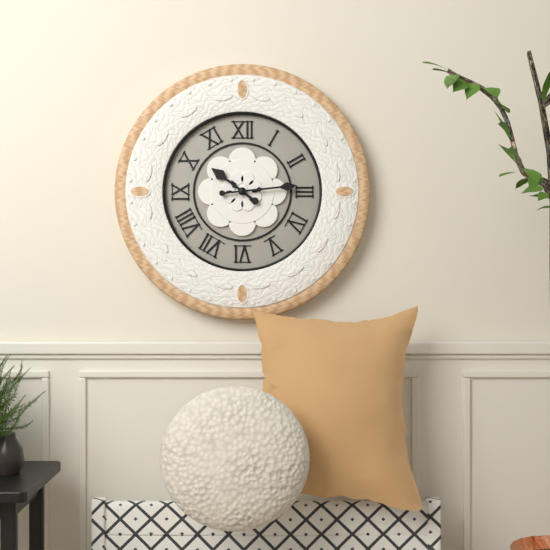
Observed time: 10:14
